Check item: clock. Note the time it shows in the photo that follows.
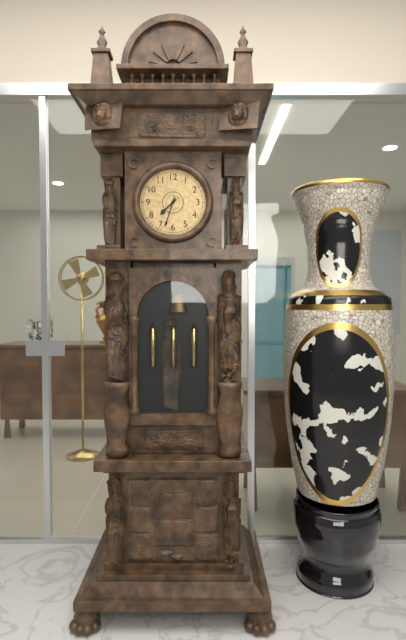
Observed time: 7:33
